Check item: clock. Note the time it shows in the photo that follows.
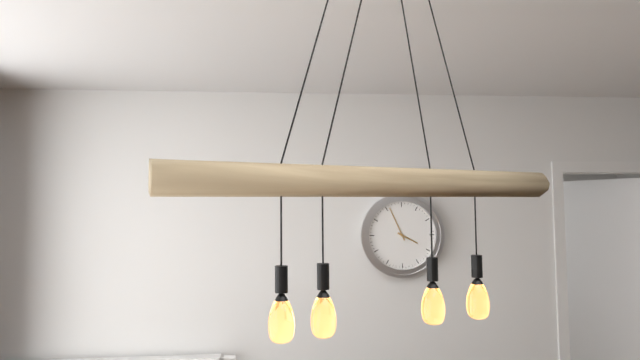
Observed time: 3:56
